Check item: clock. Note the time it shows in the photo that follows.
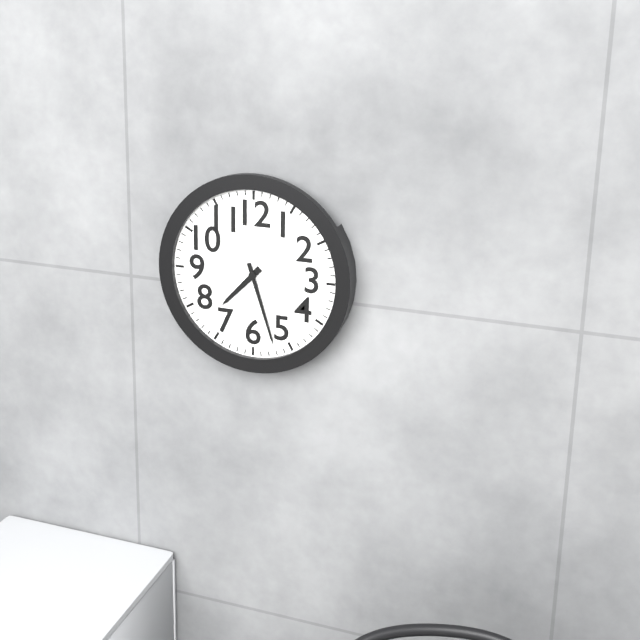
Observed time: 7:27
